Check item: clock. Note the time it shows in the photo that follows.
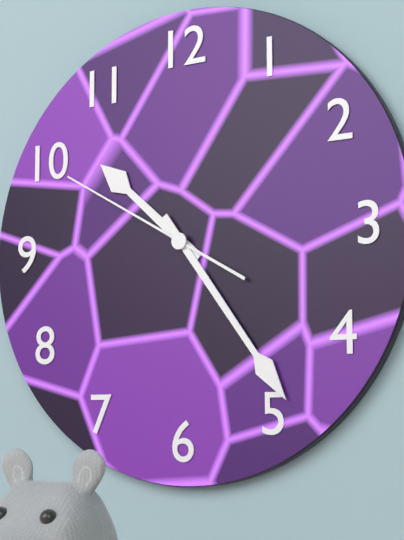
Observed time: 10:24:50
